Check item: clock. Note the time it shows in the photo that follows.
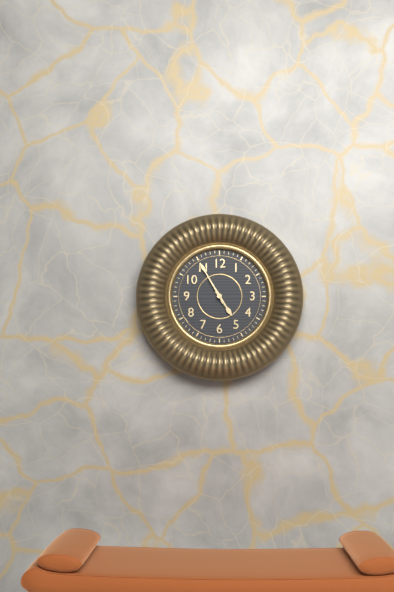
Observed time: 4:55
